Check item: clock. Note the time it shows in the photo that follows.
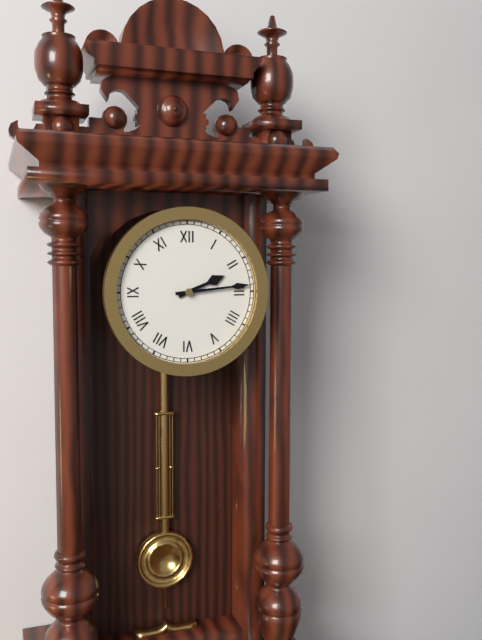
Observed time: 2:14
